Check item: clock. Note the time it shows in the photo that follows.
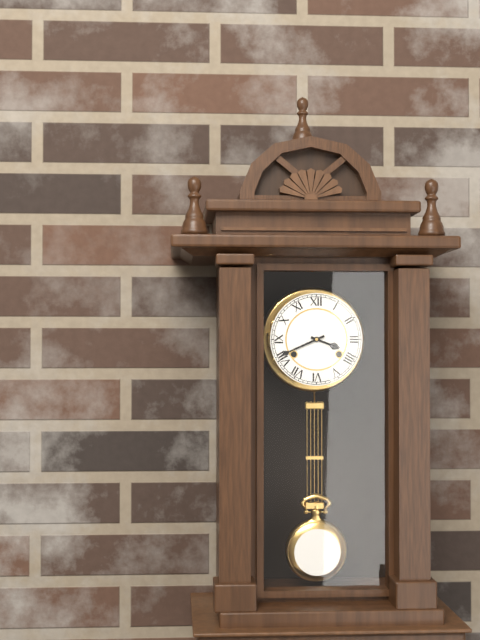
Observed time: 3:41
